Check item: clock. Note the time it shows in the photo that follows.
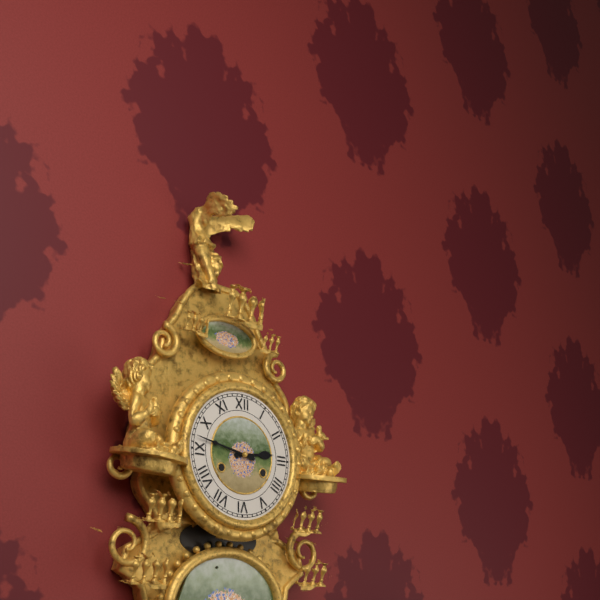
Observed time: 2:47
